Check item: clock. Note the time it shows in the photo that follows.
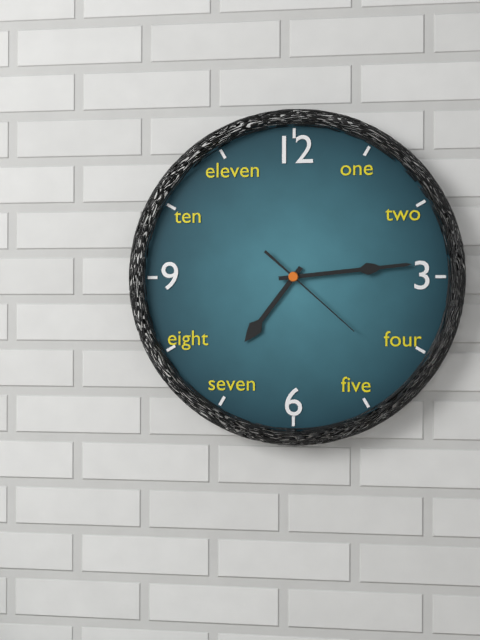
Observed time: 7:14:22
